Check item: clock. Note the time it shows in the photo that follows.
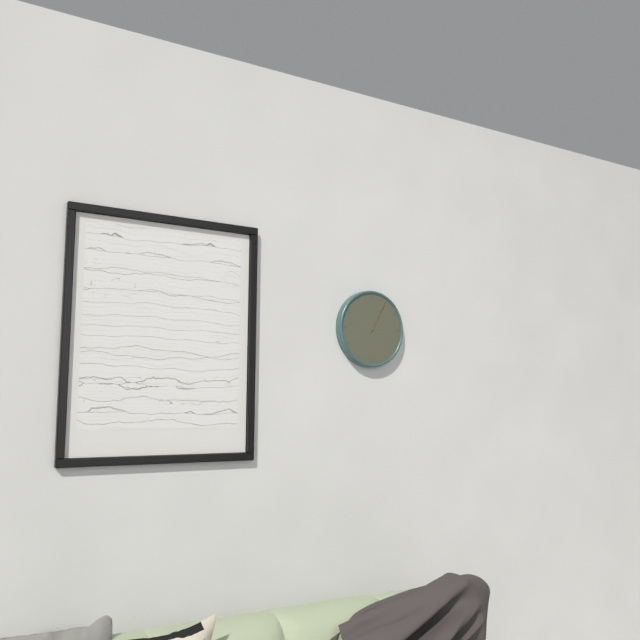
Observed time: 1:05
